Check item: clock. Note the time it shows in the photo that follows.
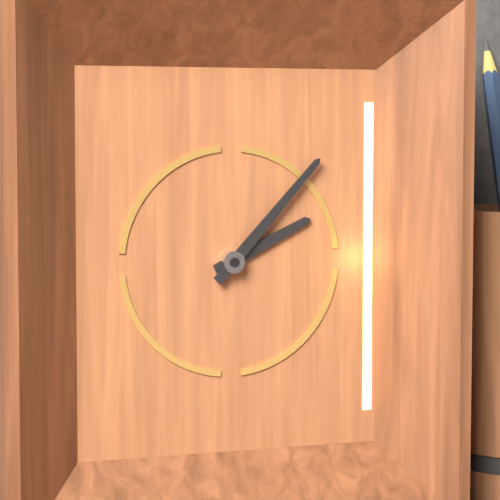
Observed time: 2:07
